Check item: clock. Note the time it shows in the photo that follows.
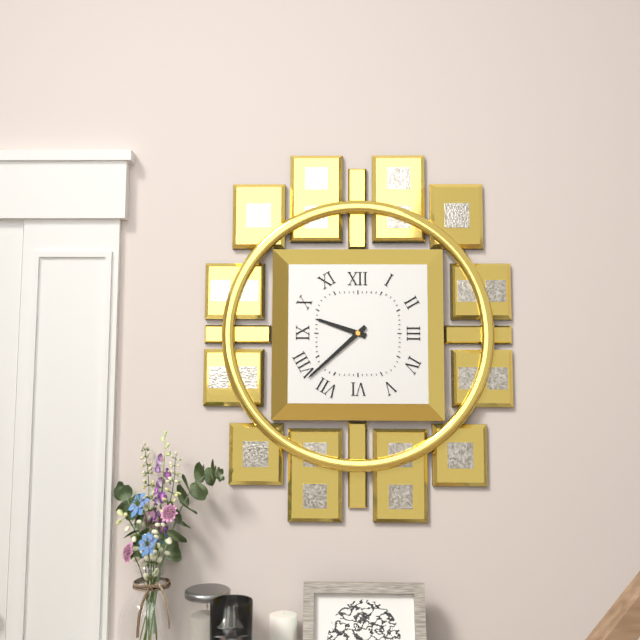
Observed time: 9:38
